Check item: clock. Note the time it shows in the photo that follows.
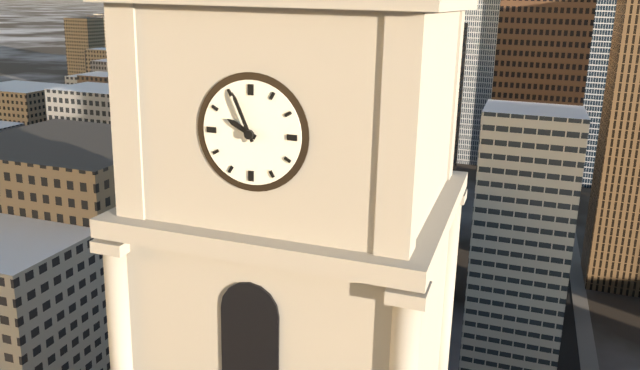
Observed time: 9:56
